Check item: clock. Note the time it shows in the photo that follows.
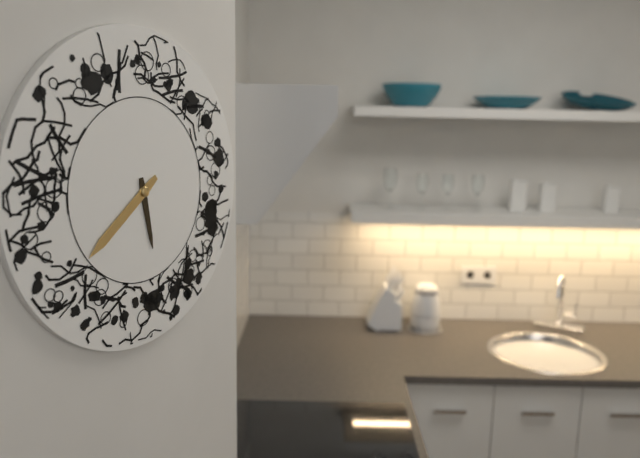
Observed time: 5:39
